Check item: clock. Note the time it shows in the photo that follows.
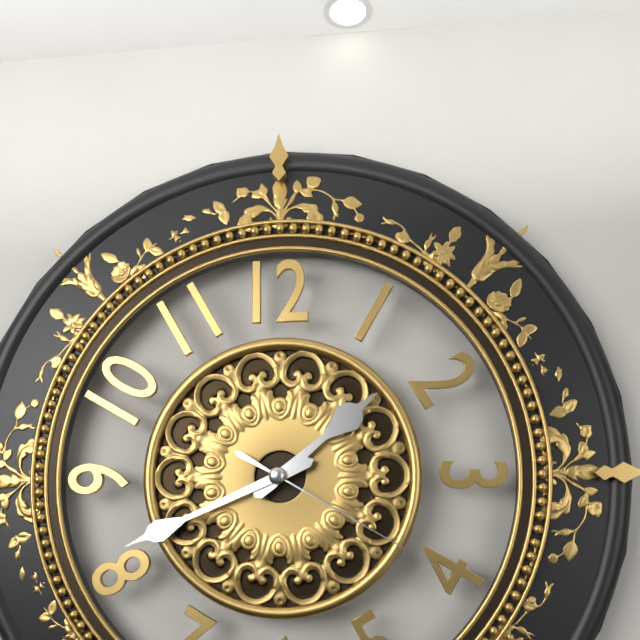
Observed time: 1:41:20
